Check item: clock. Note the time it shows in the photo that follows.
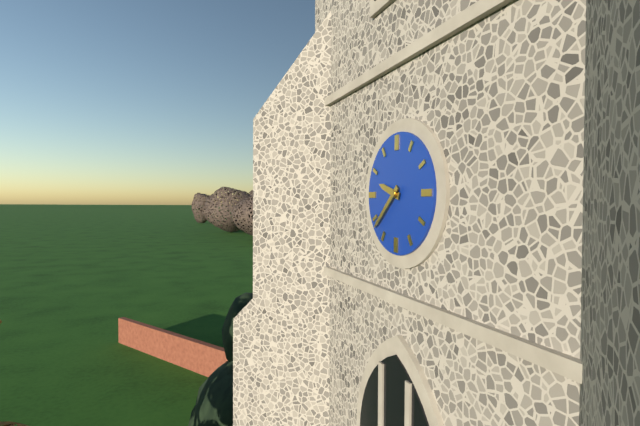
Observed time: 9:38
